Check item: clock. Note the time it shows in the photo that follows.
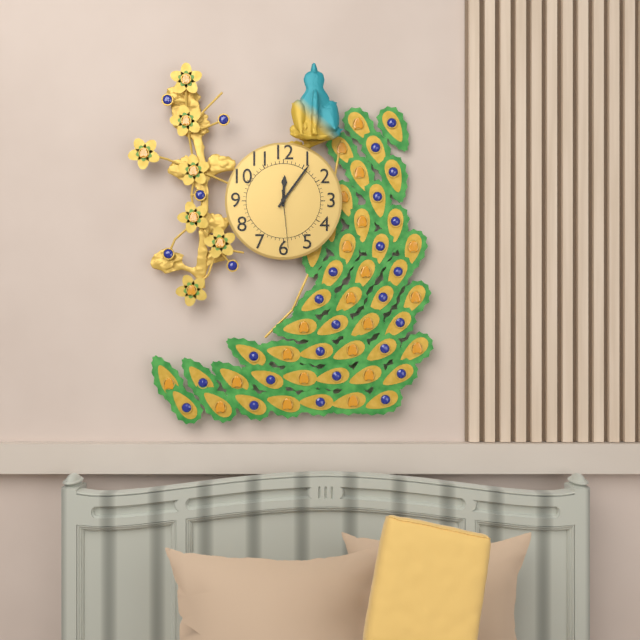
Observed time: 12:06:29
